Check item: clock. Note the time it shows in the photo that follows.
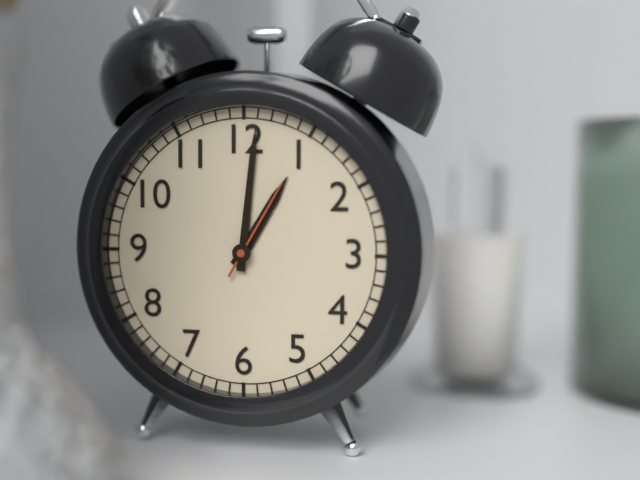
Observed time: 1:01:05
